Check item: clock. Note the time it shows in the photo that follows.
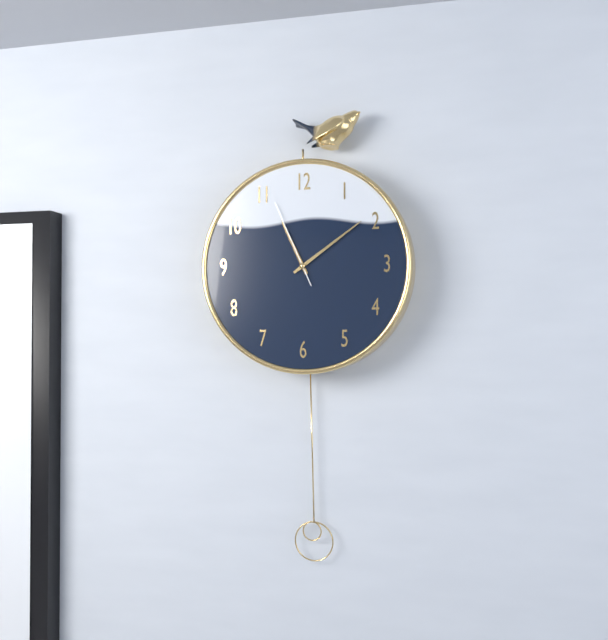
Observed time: 11:09:56
